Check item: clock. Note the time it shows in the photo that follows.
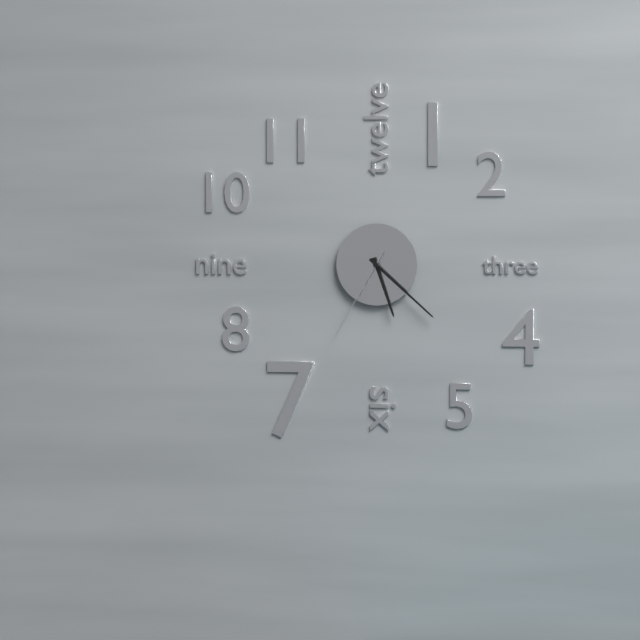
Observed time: 5:22:35
